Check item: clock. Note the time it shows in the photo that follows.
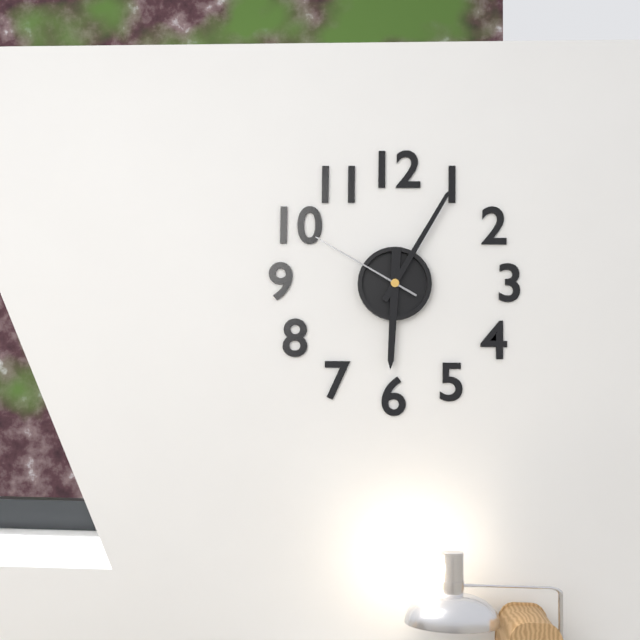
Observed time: 6:05:50
